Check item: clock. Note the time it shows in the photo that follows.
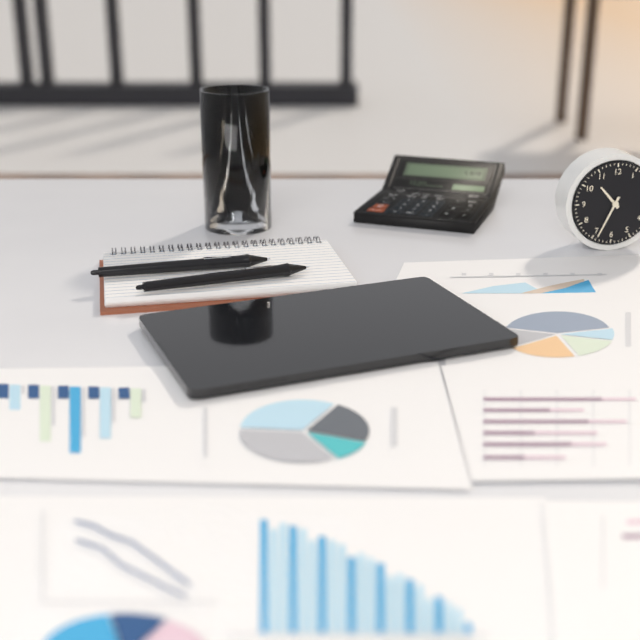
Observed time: 10:34
